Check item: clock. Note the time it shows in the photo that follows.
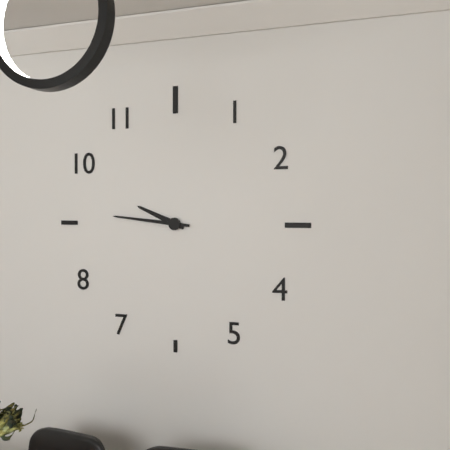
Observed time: 9:46
